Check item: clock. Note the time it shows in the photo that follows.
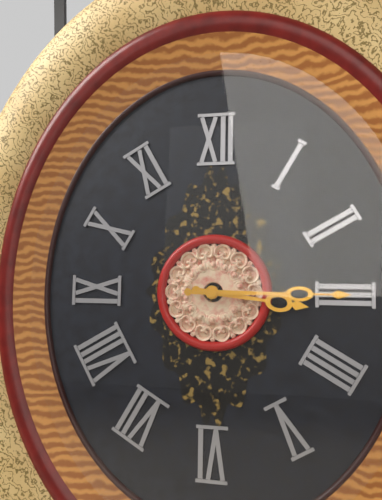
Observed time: 3:15
